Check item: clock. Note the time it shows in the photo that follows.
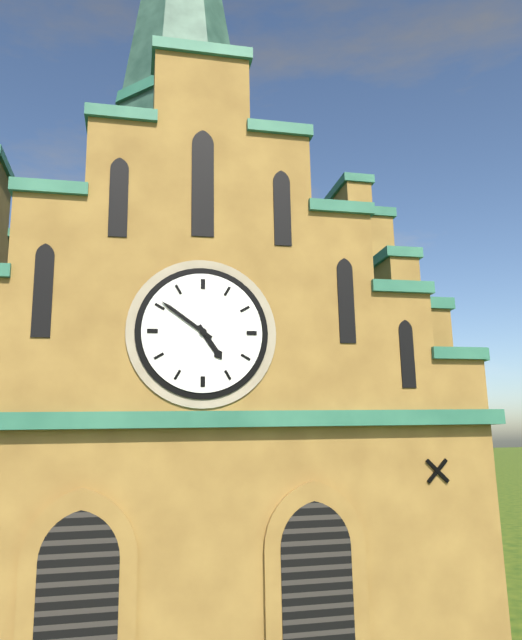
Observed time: 4:51
